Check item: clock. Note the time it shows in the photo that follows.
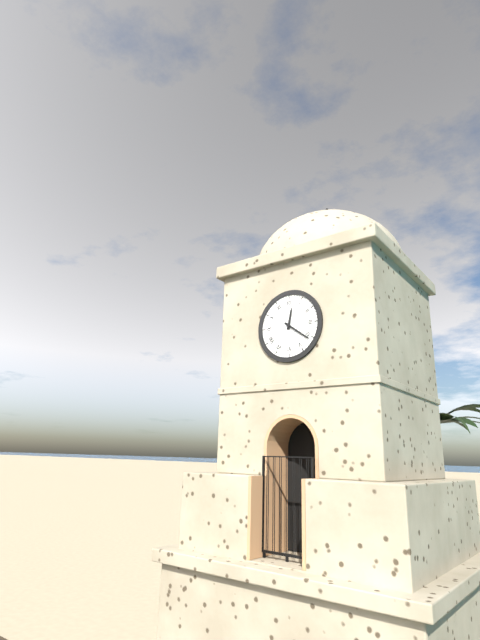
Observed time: 12:21
